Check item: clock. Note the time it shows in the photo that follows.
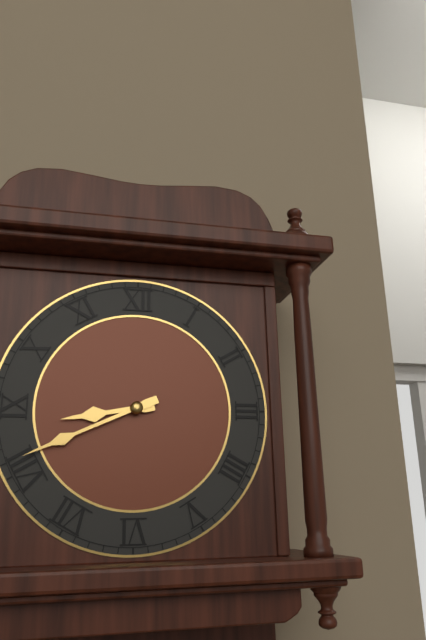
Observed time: 8:41
